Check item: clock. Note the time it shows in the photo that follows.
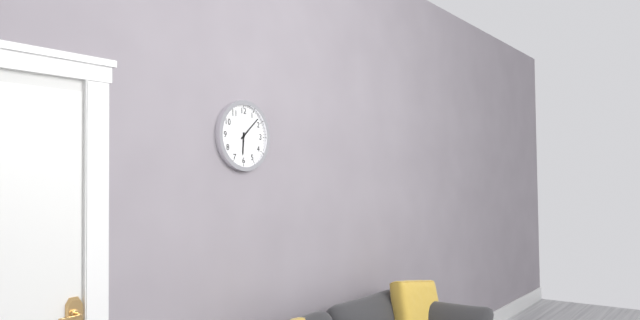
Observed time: 6:08
